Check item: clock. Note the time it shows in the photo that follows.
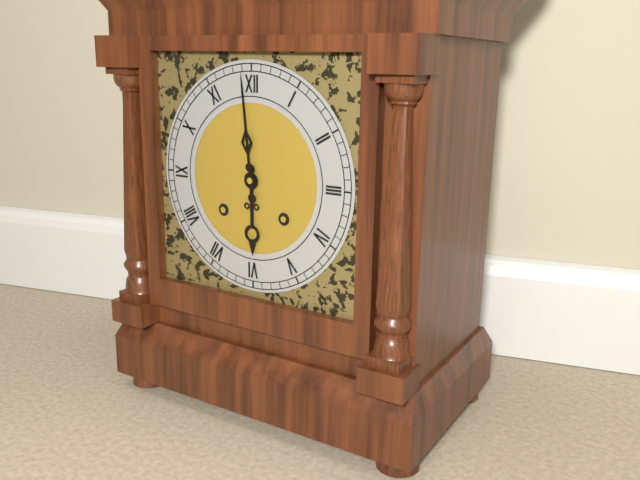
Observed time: 5:59
